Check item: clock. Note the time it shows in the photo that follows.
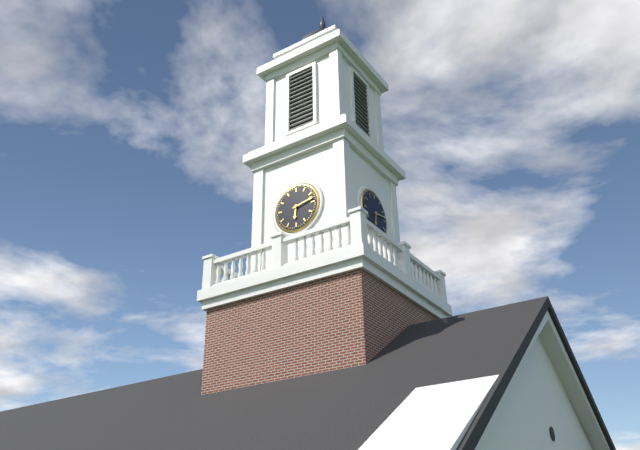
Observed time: 6:13
